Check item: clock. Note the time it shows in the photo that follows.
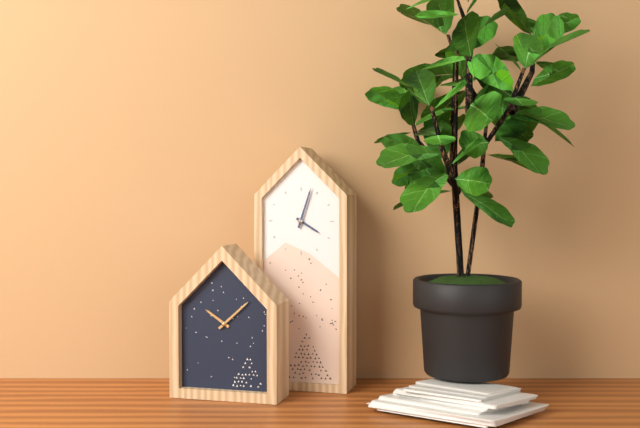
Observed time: 4:03
